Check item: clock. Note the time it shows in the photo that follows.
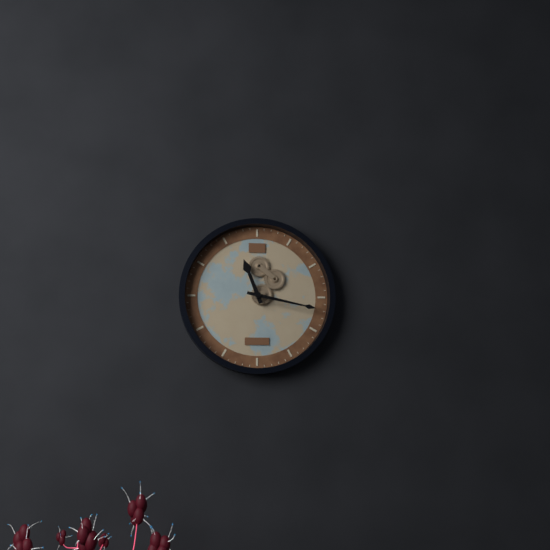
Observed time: 11:17
